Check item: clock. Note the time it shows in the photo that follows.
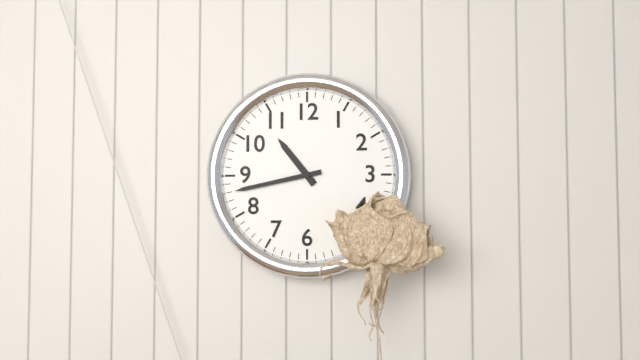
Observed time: 10:43
